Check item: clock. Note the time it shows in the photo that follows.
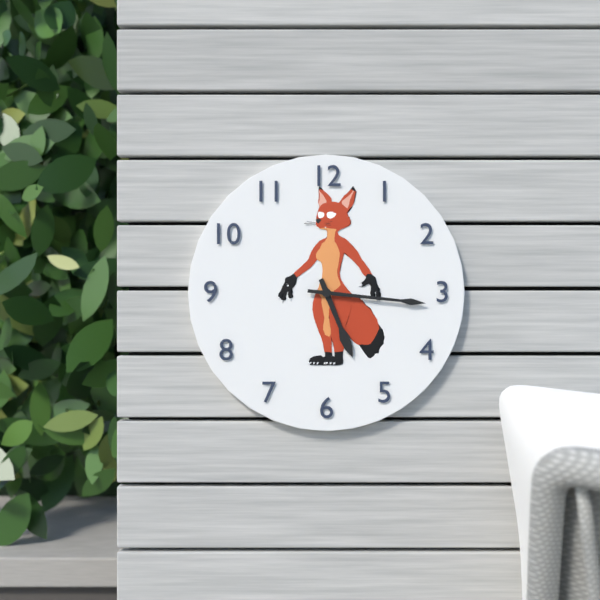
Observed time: 5:16
